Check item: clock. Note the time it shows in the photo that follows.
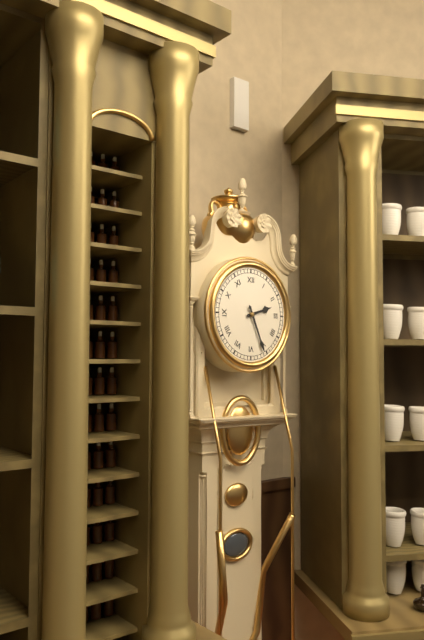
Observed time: 2:26
